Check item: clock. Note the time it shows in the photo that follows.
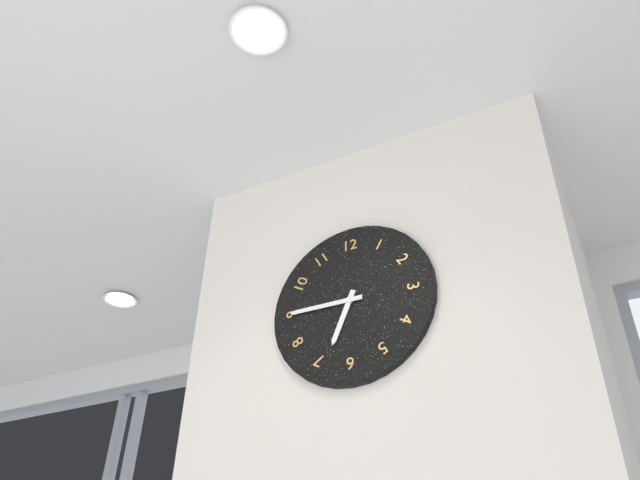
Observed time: 6:45
